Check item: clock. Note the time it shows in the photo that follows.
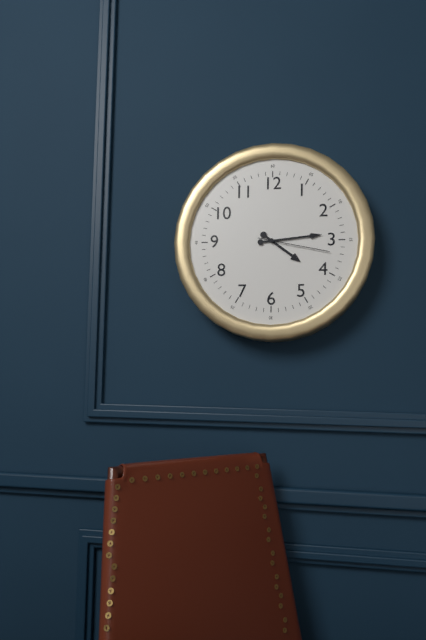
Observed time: 4:14:17
